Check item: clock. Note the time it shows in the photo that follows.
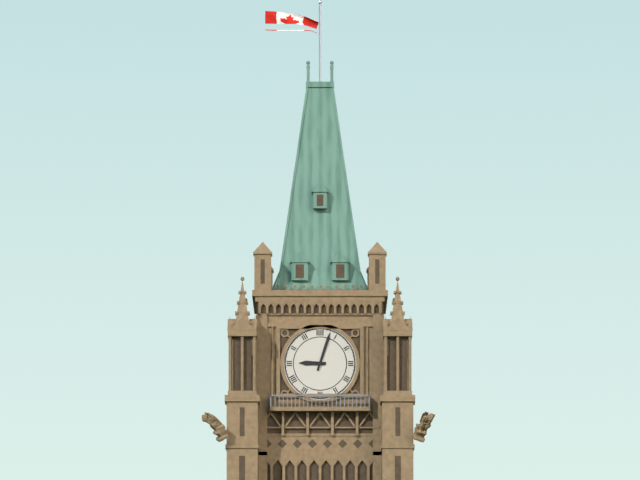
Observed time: 9:03
